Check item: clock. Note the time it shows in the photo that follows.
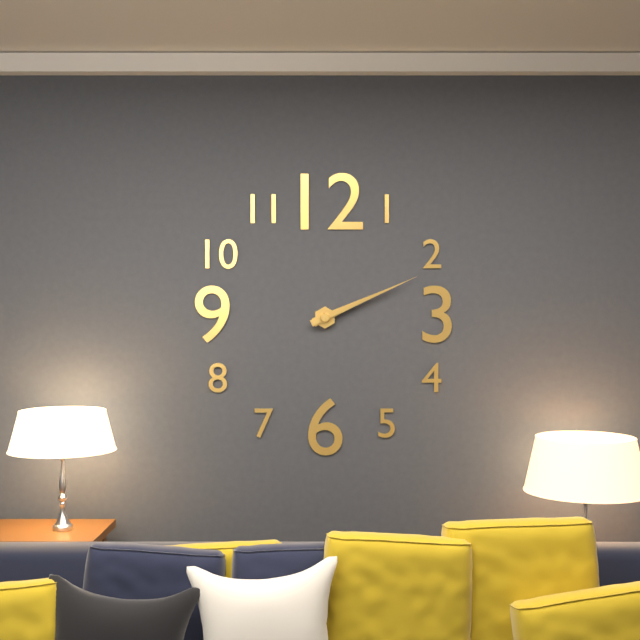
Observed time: 2:11
